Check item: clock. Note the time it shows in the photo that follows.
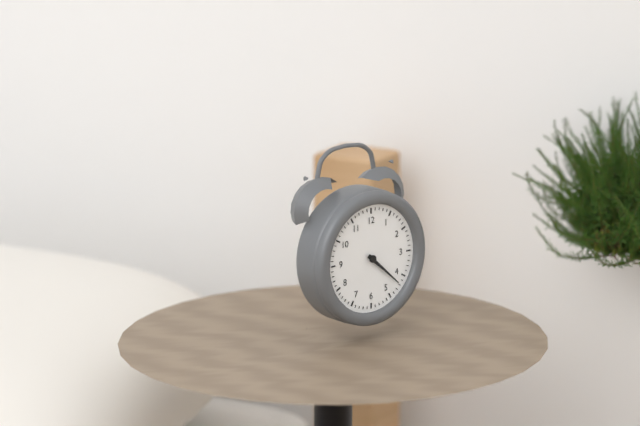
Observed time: 4:22
